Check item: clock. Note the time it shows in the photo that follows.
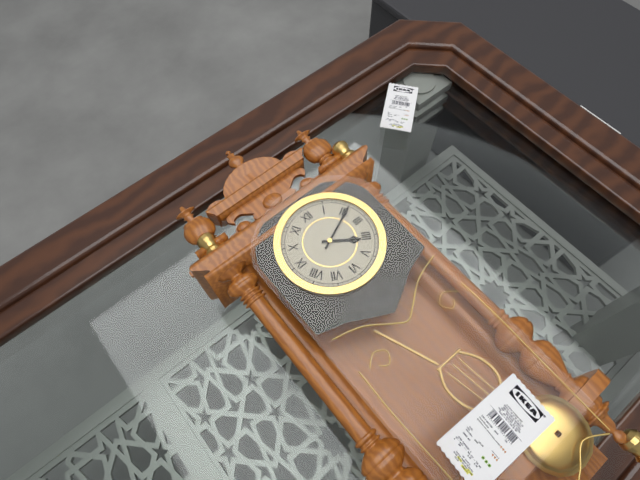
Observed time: 4:11
